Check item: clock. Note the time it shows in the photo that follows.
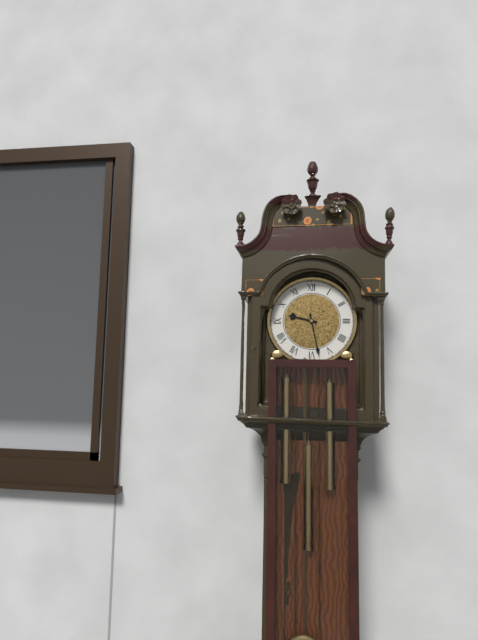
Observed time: 9:28
